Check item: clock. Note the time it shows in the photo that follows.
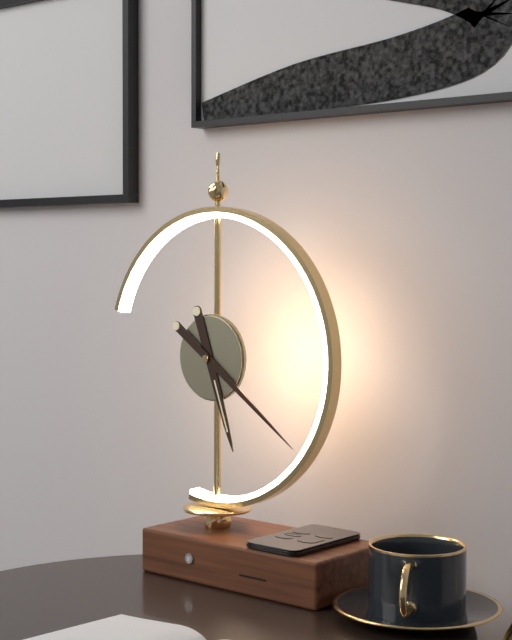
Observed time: 5:21
